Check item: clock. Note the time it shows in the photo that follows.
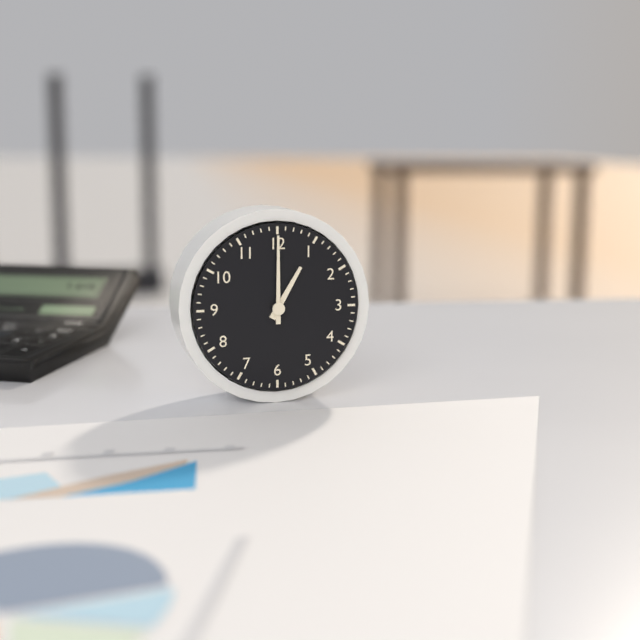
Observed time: 1:00
